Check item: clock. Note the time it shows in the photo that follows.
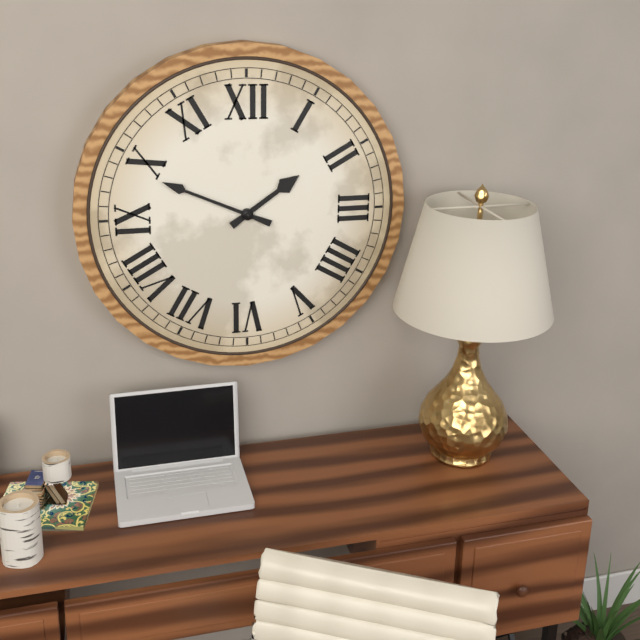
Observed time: 1:49
